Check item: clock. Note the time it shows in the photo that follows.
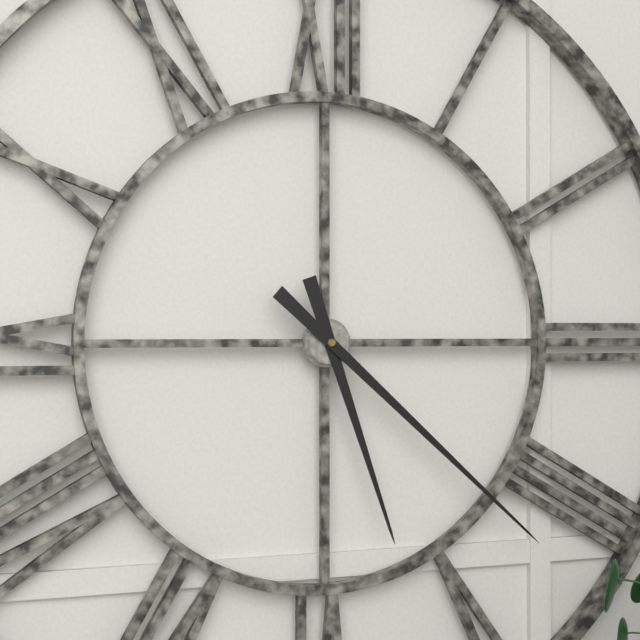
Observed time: 5:22
